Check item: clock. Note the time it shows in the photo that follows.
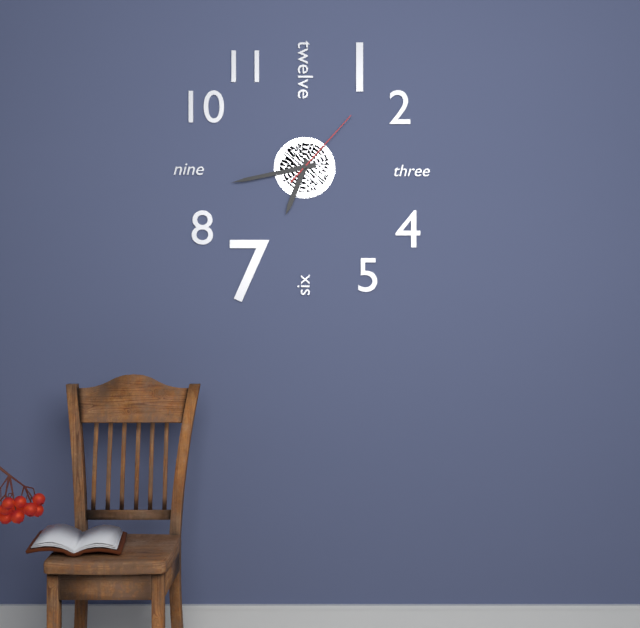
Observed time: 6:43:07
